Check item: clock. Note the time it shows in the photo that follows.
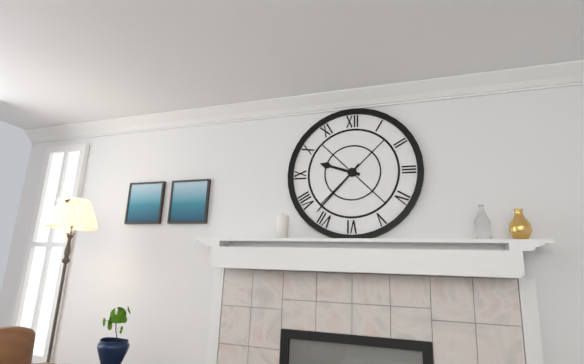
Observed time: 9:37
